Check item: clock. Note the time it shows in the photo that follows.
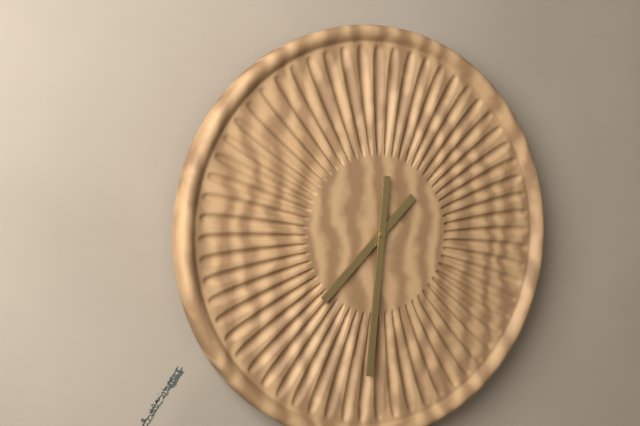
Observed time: 7:31
